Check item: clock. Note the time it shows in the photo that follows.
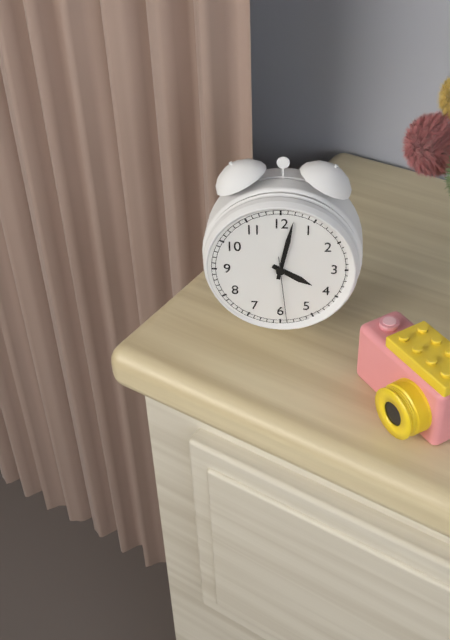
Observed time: 4:02:29
